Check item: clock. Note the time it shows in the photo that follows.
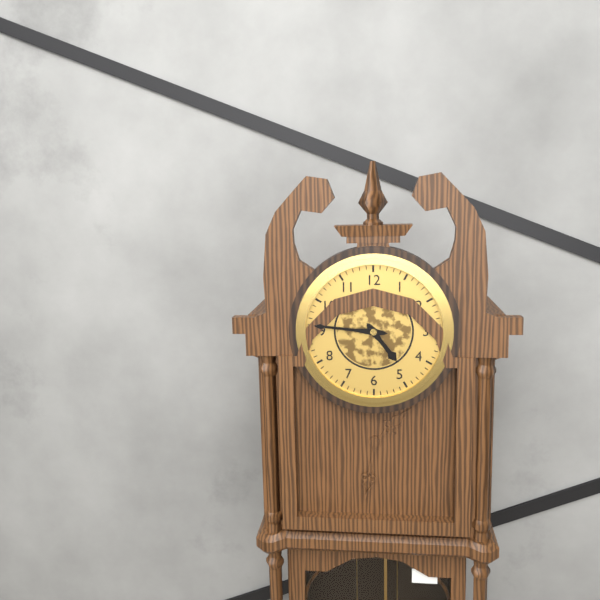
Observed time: 4:46
